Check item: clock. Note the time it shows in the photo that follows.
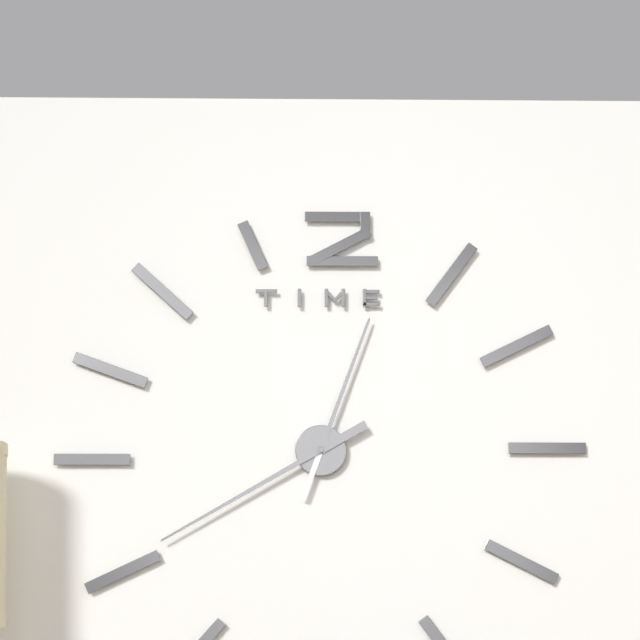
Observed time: 12:40
